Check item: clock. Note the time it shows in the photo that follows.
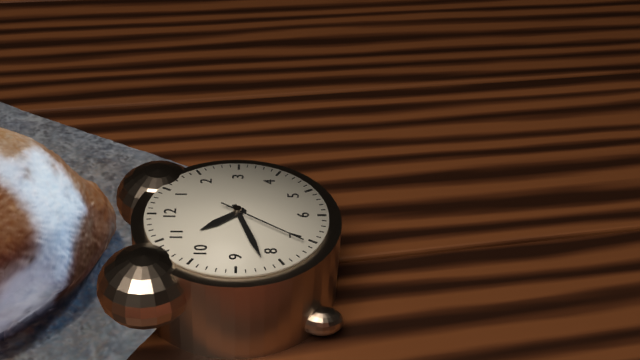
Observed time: 10:42:36
